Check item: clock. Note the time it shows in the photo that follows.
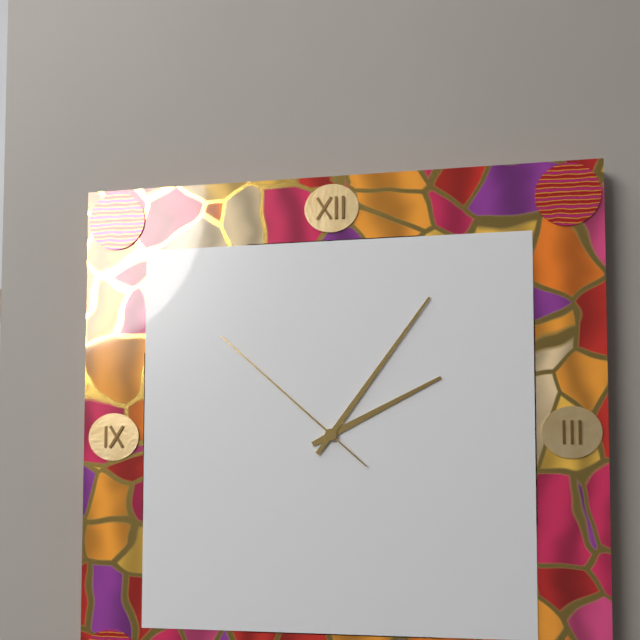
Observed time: 2:06:52
